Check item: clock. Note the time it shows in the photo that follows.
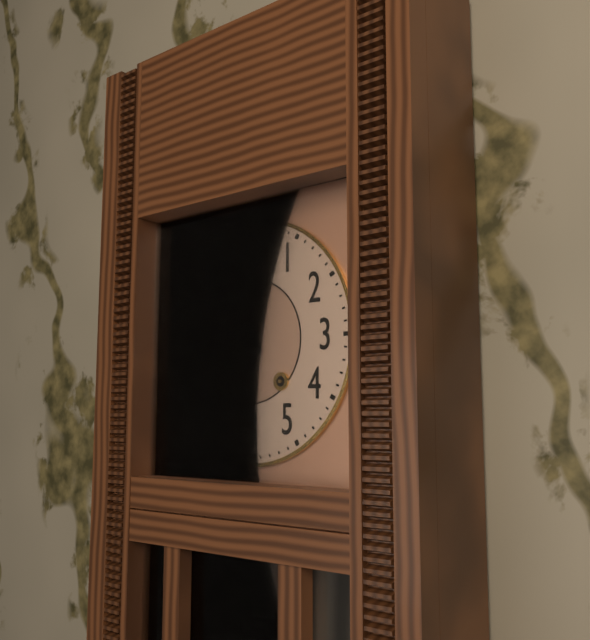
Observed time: 10:30
